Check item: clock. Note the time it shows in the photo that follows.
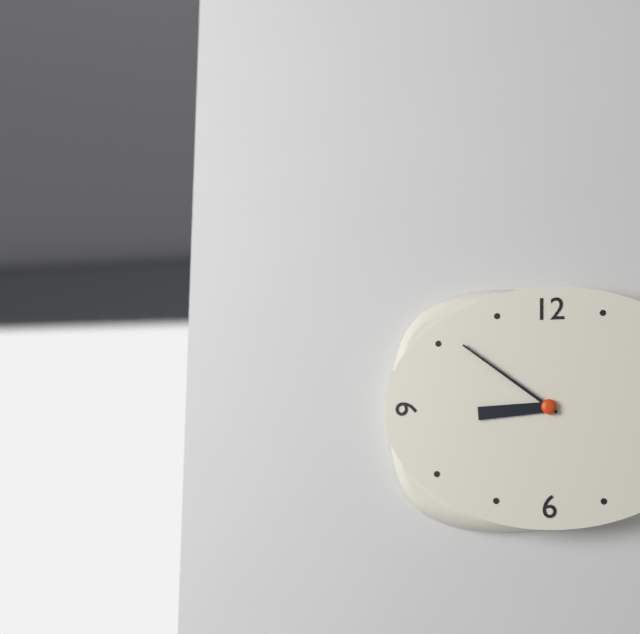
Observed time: 8:51
